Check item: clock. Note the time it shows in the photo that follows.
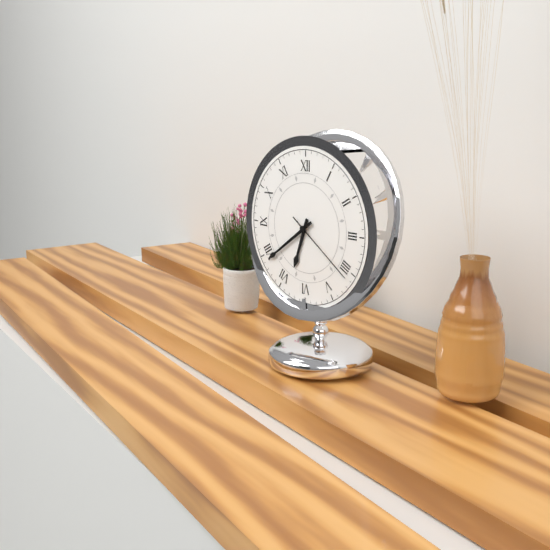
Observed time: 6:39:21
